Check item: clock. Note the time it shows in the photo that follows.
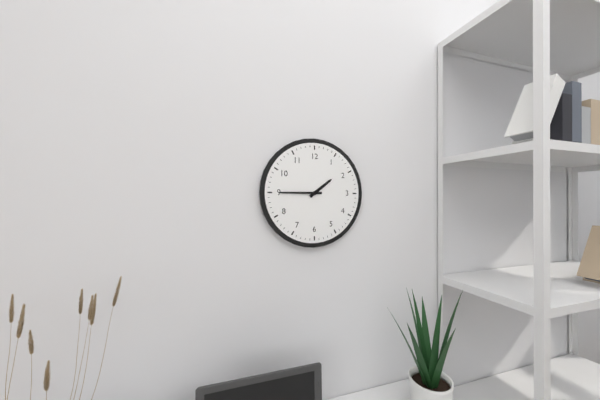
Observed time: 1:45
